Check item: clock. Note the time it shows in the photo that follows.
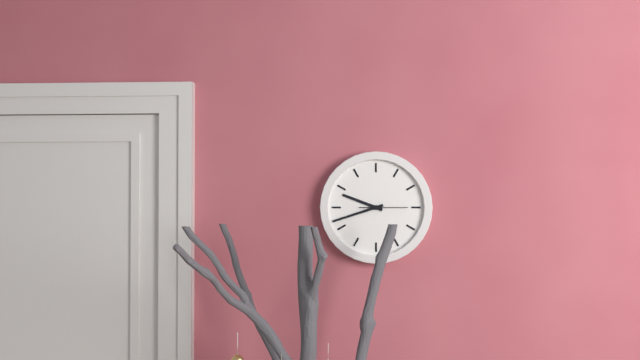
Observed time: 9:42
